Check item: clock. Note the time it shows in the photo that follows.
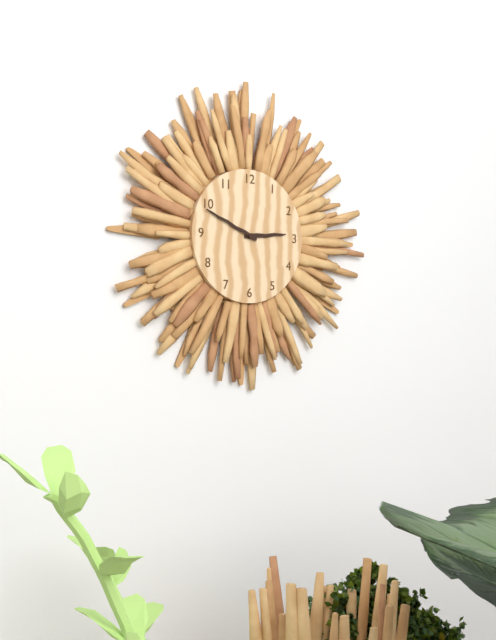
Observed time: 2:49
